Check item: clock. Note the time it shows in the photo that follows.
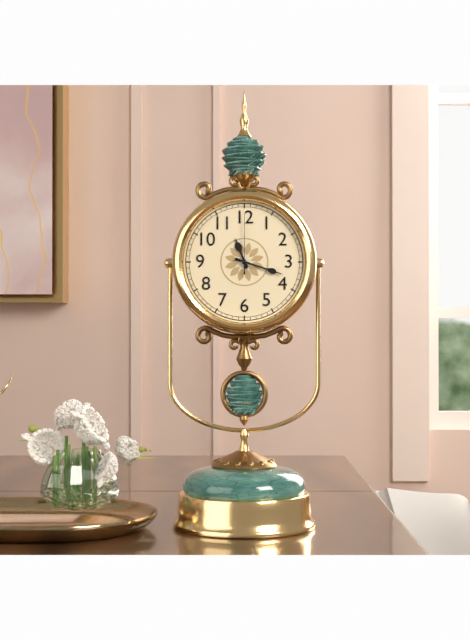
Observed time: 11:18:00
